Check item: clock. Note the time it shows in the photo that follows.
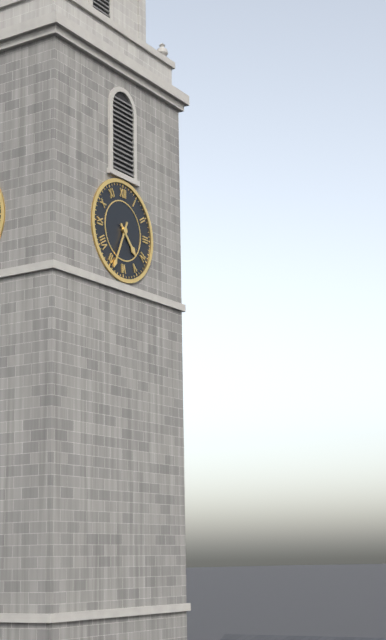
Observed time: 4:34
